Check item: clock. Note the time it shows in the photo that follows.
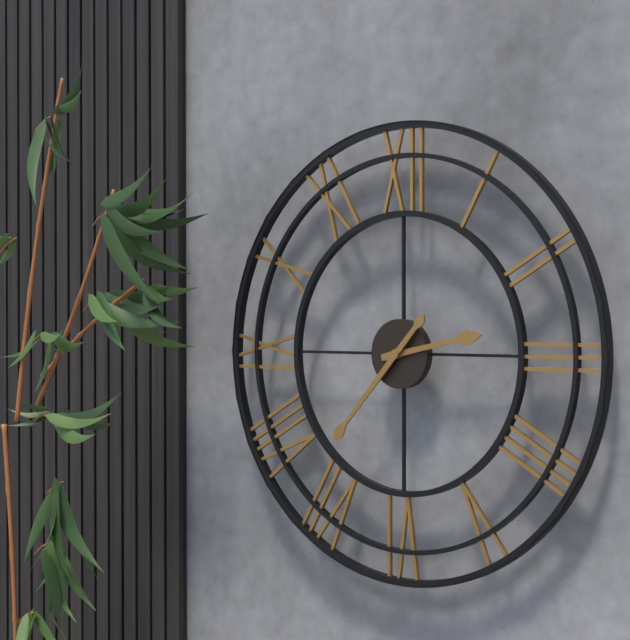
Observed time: 2:37
